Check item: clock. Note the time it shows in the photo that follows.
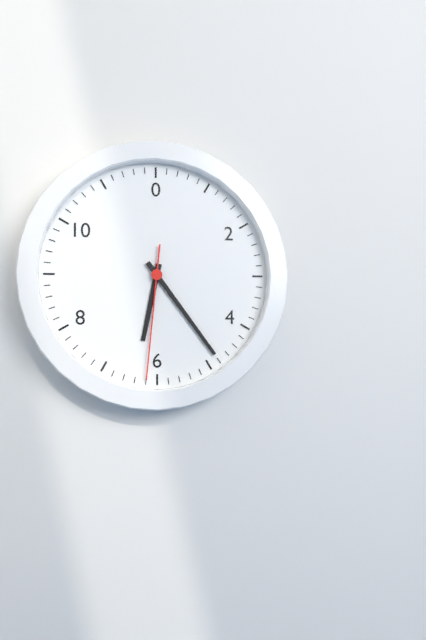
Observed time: 6:24:31
